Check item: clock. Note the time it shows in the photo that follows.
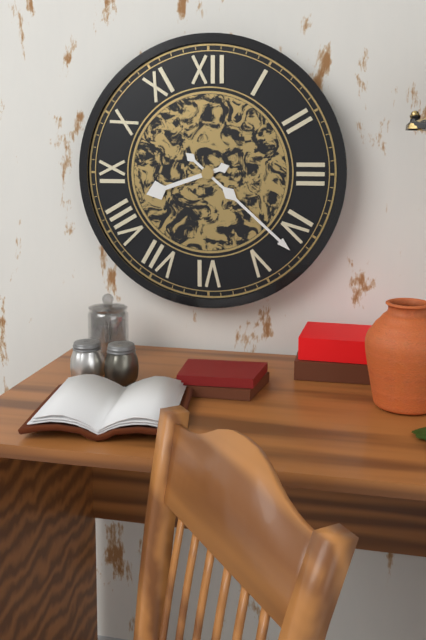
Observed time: 8:22
